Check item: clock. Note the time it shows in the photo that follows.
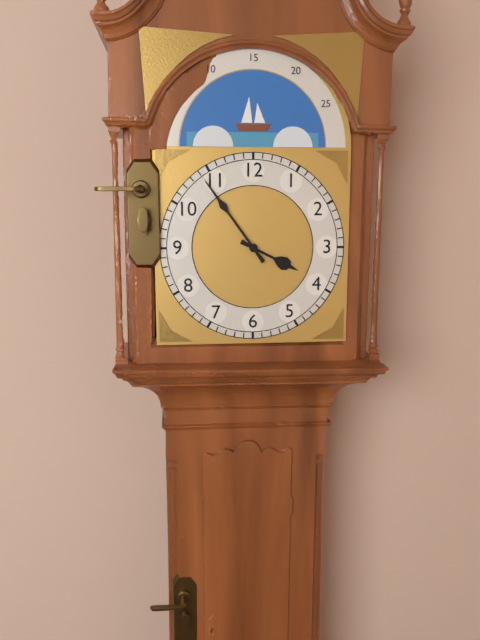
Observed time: 3:54
